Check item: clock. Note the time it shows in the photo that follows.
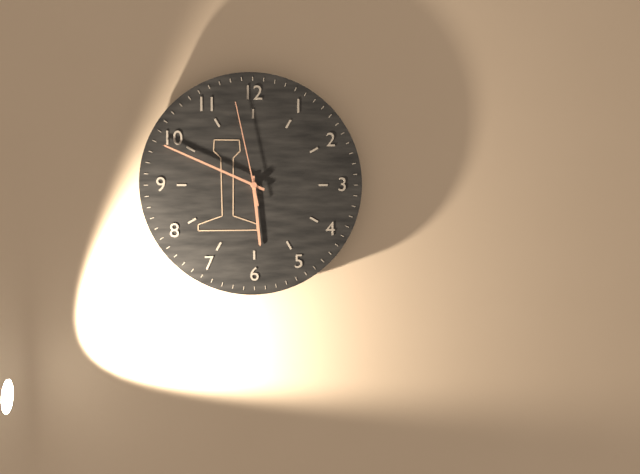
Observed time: 5:49:58
